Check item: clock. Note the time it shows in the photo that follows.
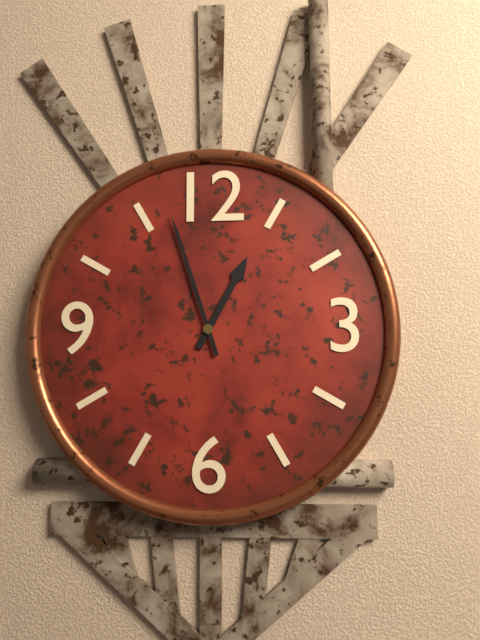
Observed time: 12:57
